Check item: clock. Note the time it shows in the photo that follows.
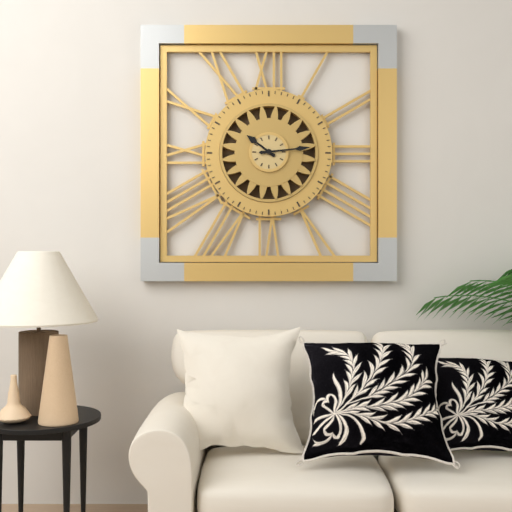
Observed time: 10:14
